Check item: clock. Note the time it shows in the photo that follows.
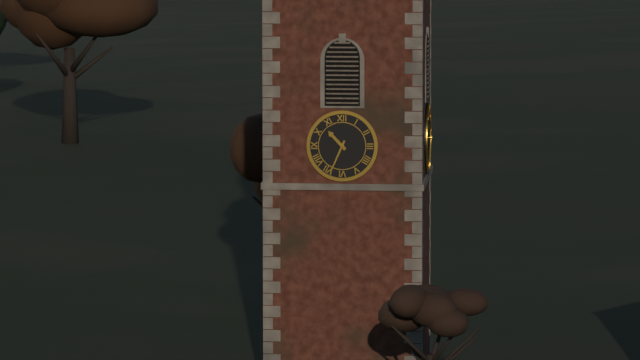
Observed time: 10:34
